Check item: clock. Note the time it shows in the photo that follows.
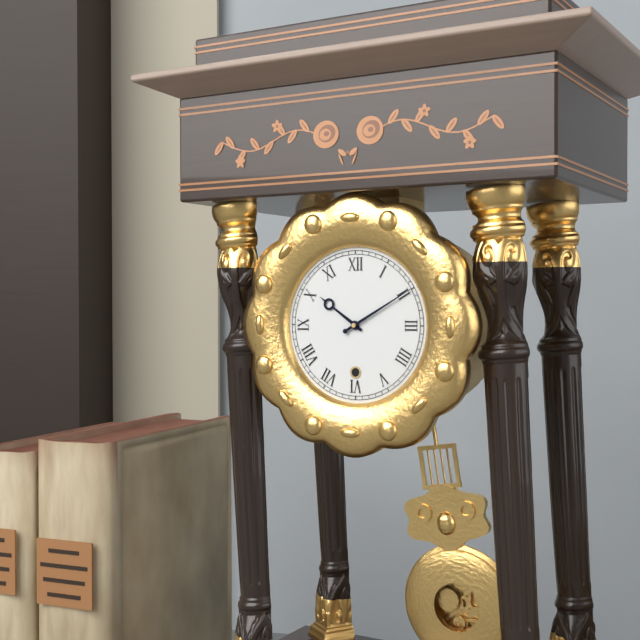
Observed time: 10:10
